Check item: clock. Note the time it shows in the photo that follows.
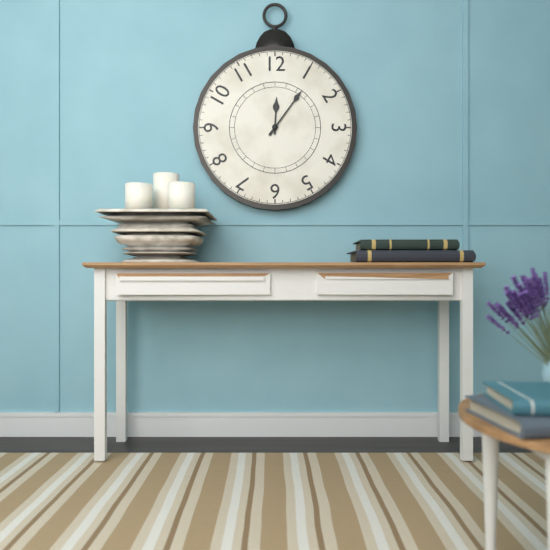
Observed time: 12:06
